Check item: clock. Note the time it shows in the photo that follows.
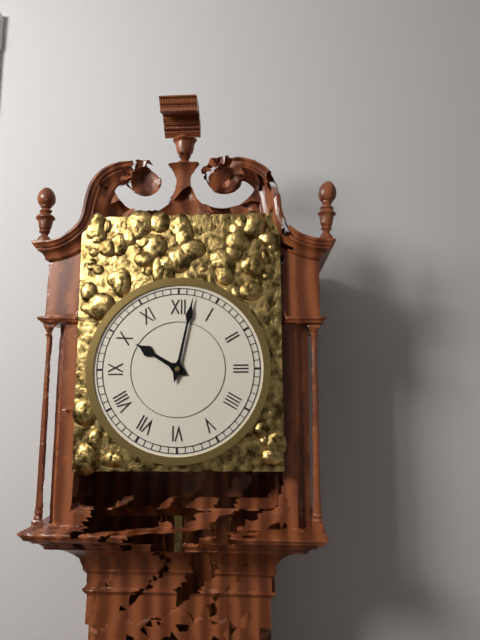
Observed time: 10:02
